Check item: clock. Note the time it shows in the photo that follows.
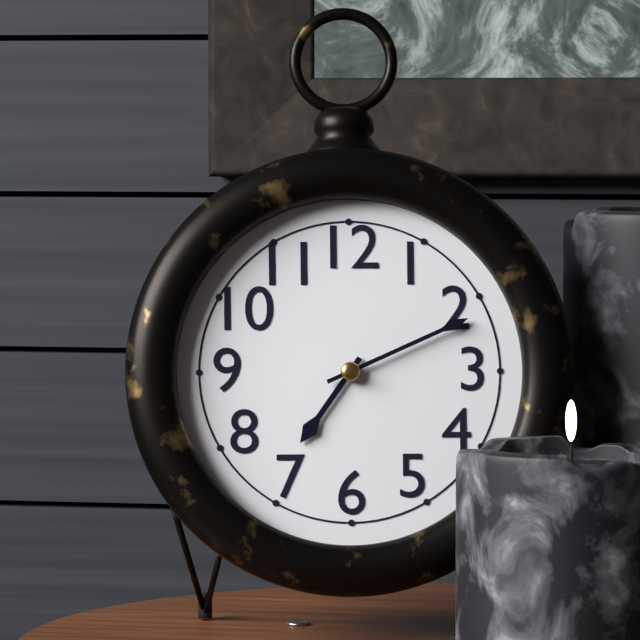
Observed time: 7:11
